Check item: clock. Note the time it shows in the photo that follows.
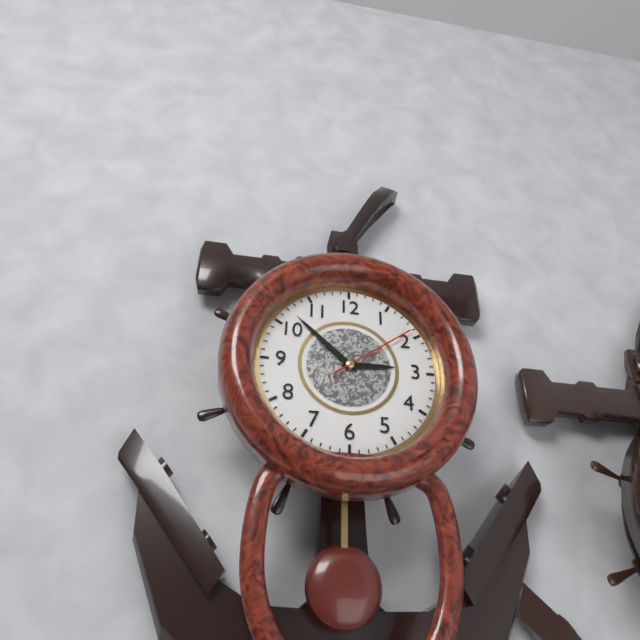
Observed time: 2:52:09
